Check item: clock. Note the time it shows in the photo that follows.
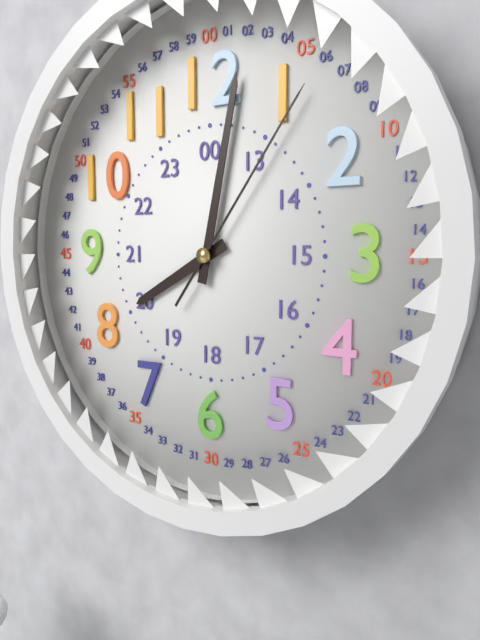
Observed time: 8:02:06
